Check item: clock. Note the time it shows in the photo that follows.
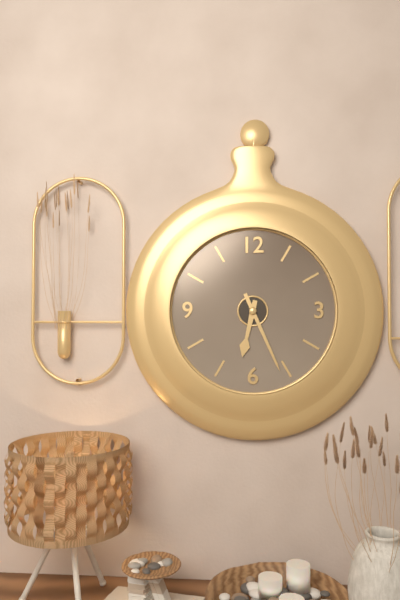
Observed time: 6:26
